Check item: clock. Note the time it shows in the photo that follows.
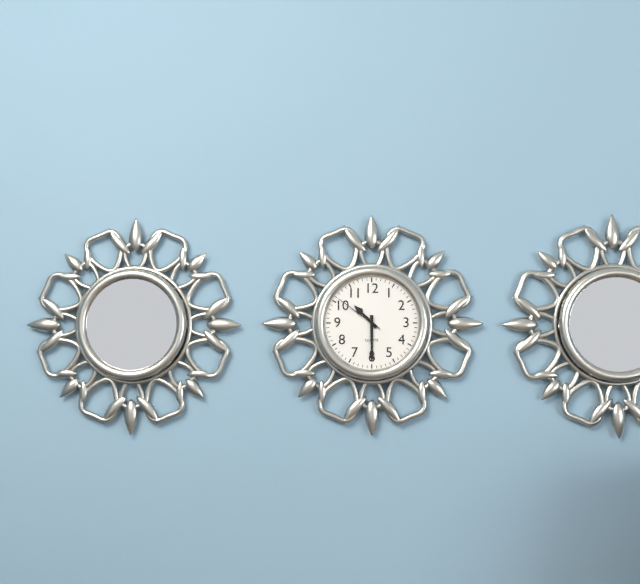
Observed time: 10:30:51
